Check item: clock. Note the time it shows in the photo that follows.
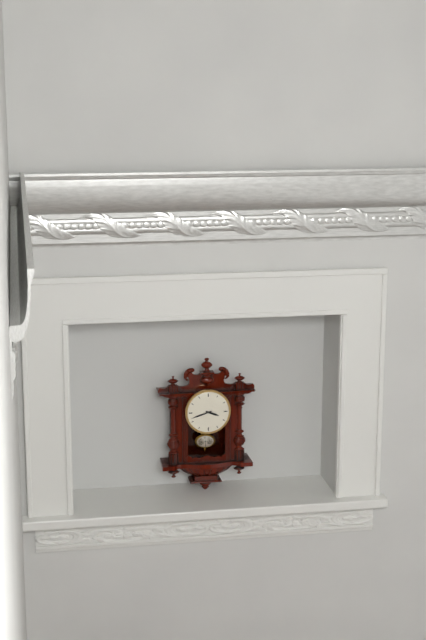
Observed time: 3:42
